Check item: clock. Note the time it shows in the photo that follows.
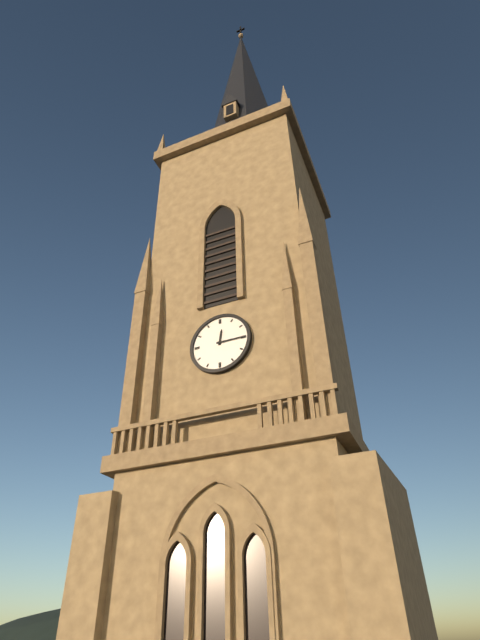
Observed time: 12:15
